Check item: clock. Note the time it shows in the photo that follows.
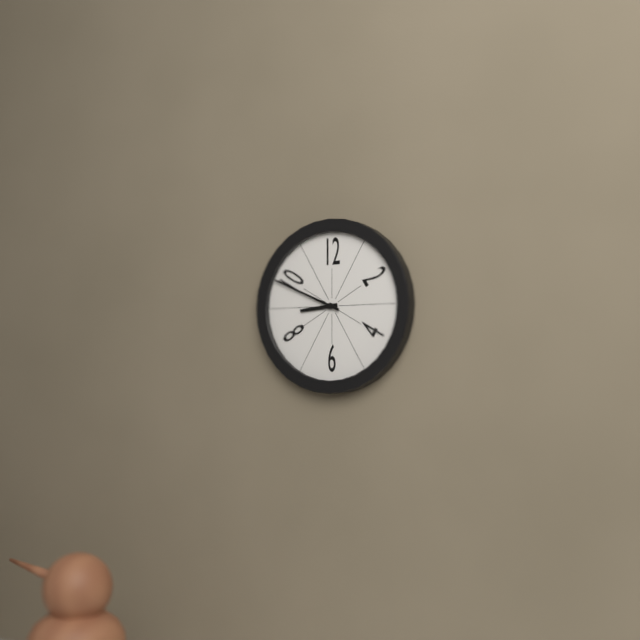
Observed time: 8:49
